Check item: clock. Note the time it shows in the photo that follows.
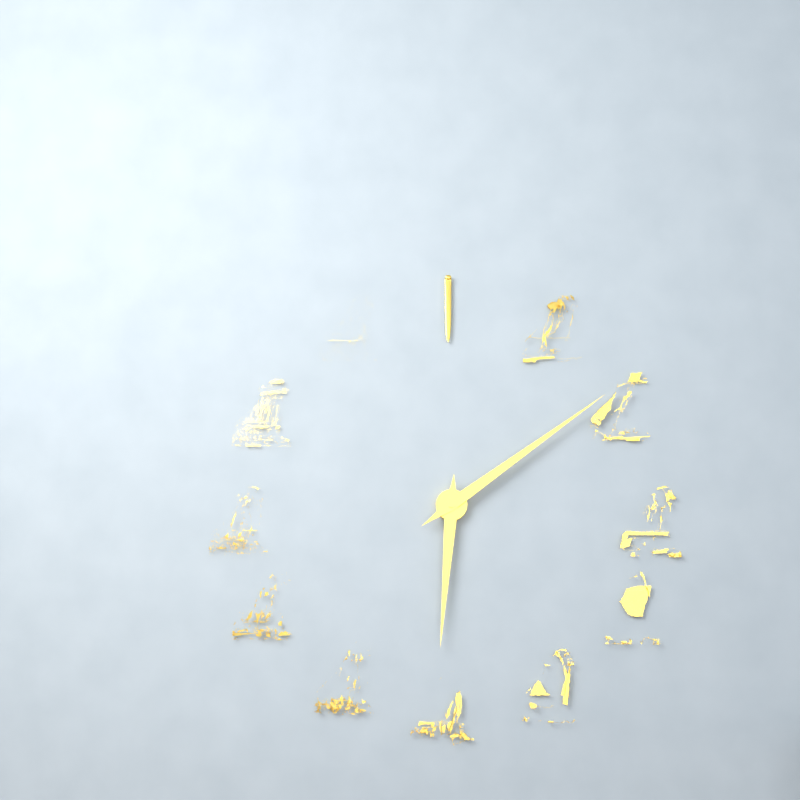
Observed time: 6:09
